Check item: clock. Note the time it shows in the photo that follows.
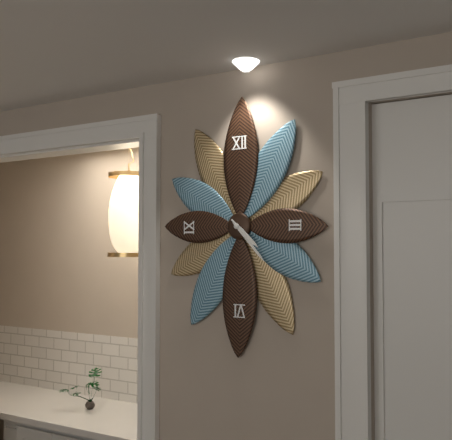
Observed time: 4:23
